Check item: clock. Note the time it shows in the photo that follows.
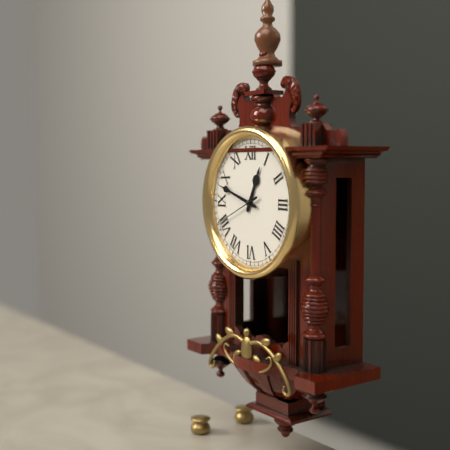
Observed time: 12:48
